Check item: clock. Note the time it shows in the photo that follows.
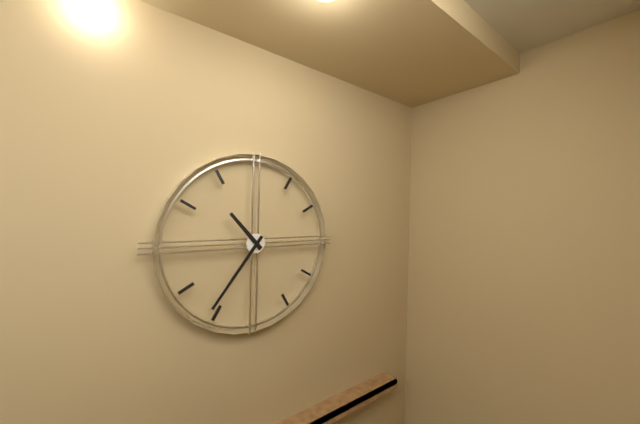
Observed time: 10:36
